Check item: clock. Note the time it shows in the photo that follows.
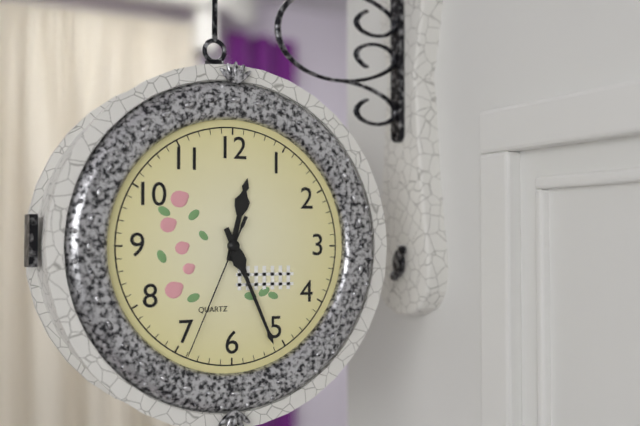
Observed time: 12:26:34
